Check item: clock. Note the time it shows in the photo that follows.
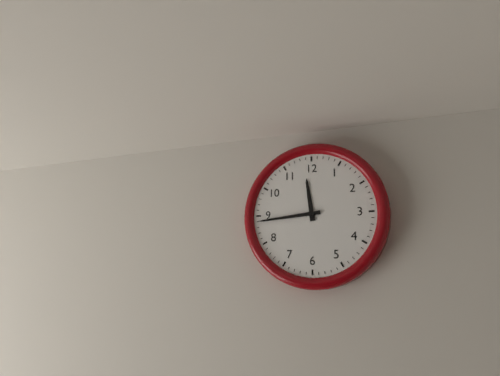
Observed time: 11:44
